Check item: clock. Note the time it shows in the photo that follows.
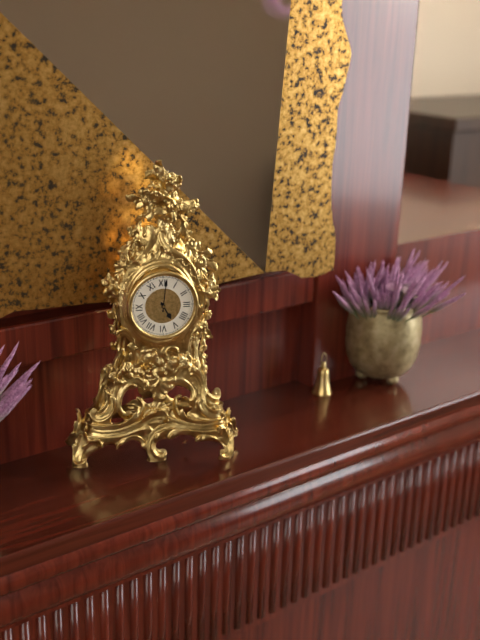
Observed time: 5:01
